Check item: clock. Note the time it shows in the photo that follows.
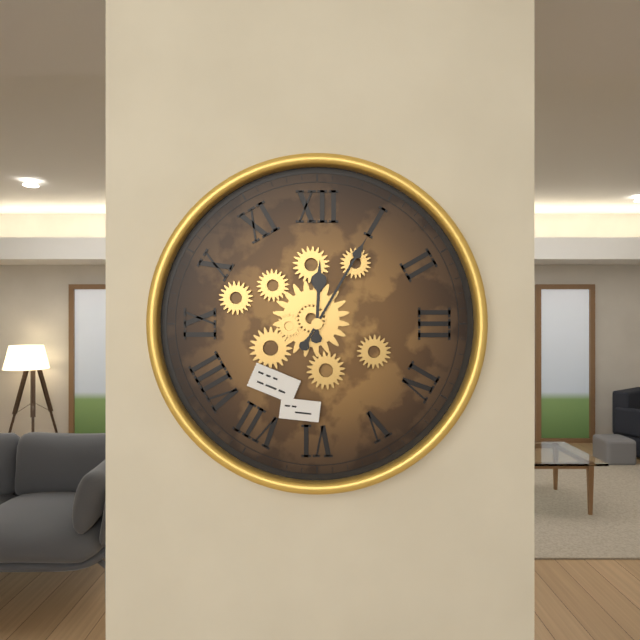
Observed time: 12:05
